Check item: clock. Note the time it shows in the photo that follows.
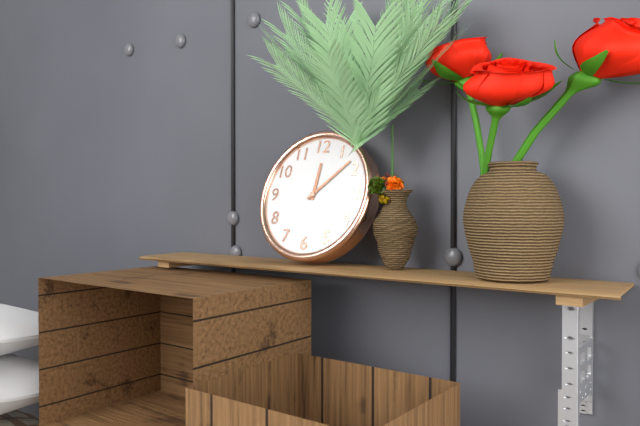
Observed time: 12:08
